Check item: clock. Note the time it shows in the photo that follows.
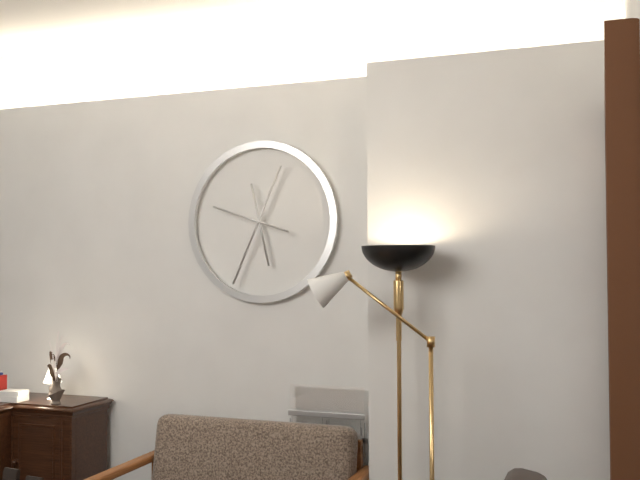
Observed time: 5:34:48
